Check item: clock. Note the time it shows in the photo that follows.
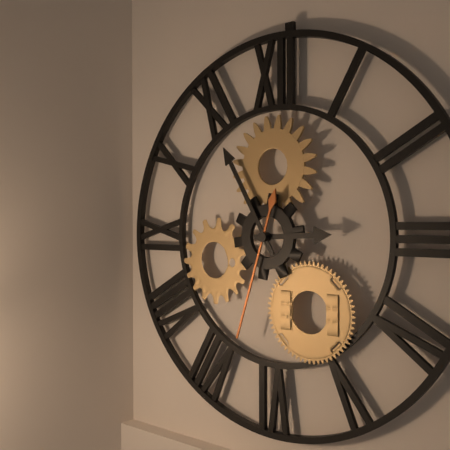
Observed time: 2:55:33
